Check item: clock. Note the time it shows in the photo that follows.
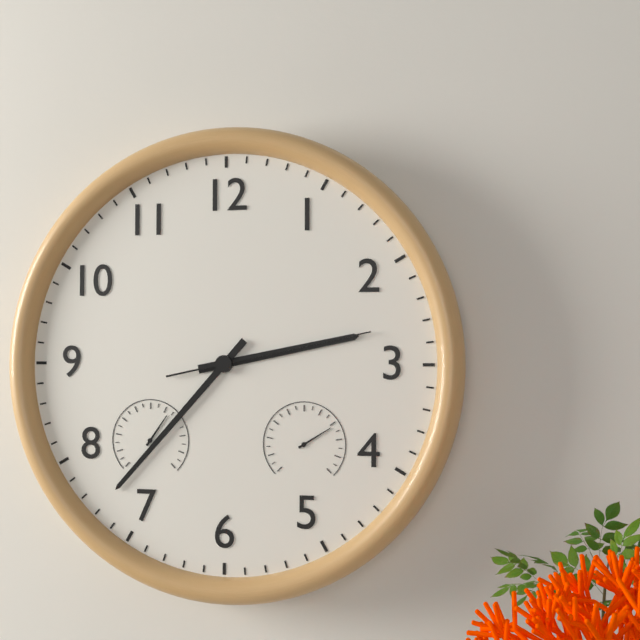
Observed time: 2:37:13
